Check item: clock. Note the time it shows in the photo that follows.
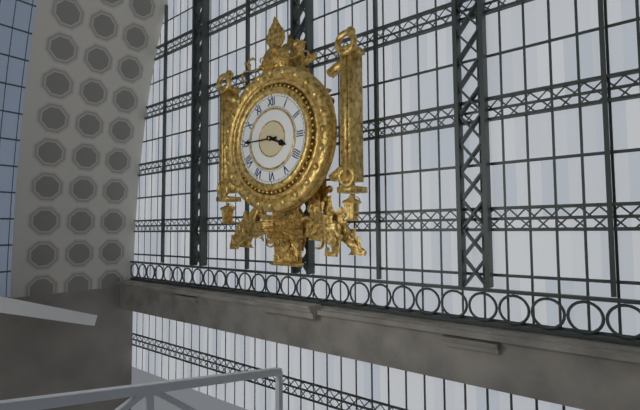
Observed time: 3:45
